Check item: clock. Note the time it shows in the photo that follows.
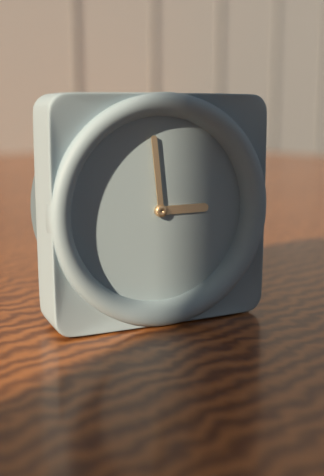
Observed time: 2:59
